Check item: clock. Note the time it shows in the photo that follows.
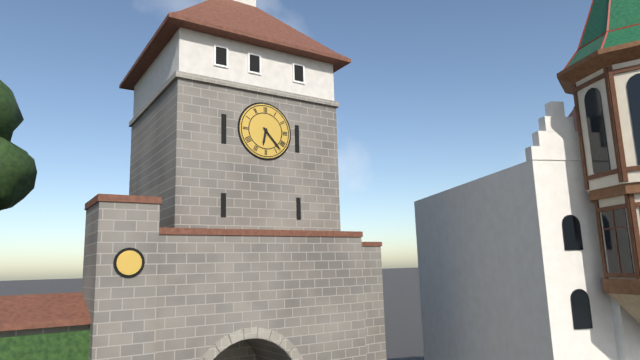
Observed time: 6:23
